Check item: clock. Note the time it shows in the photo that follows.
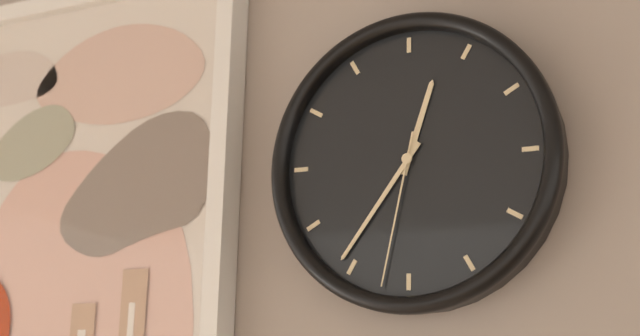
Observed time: 12:36:32
